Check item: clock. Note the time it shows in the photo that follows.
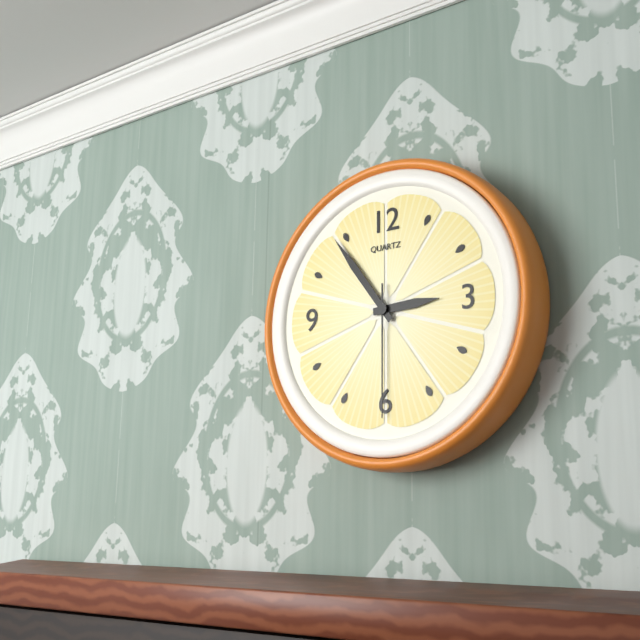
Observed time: 2:54:30
